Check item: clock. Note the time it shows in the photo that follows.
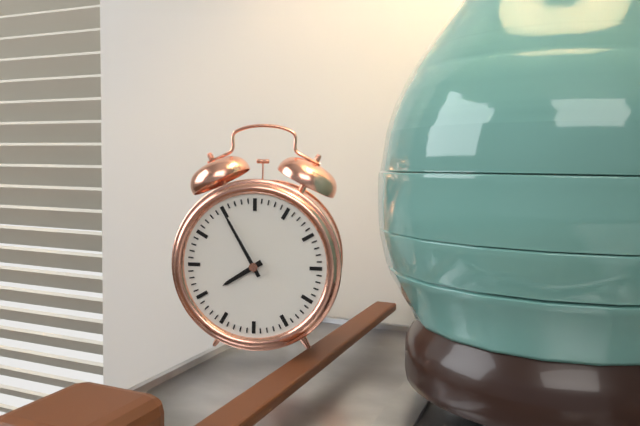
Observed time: 7:55
